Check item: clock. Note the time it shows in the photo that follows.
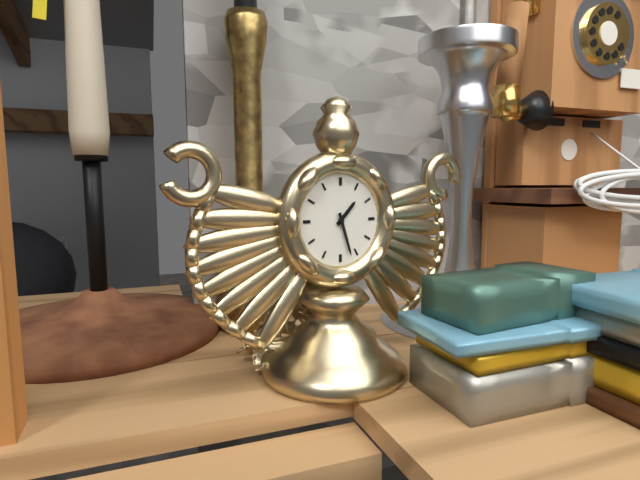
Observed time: 1:27
